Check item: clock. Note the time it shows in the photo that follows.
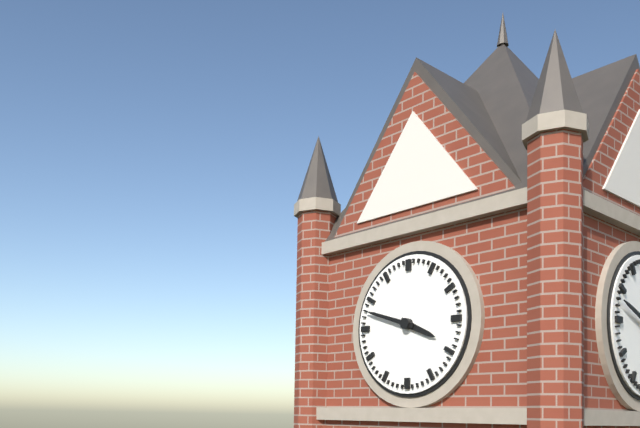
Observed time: 3:48
